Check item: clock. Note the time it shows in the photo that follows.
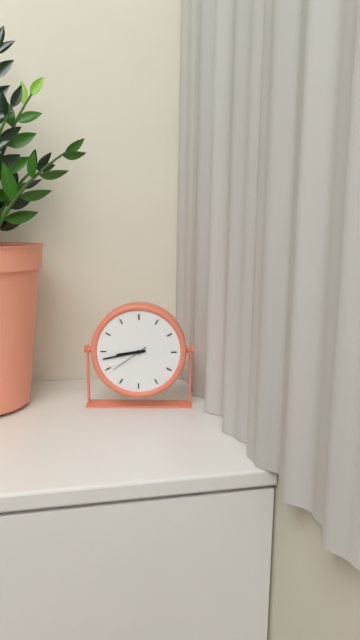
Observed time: 8:43
